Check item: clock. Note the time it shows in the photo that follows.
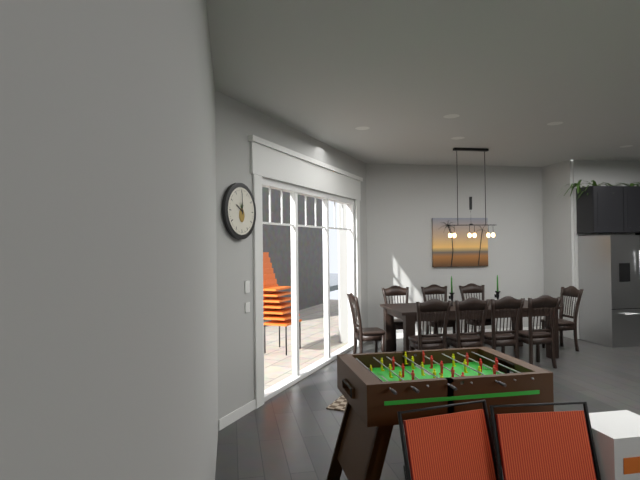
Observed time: 10:00
